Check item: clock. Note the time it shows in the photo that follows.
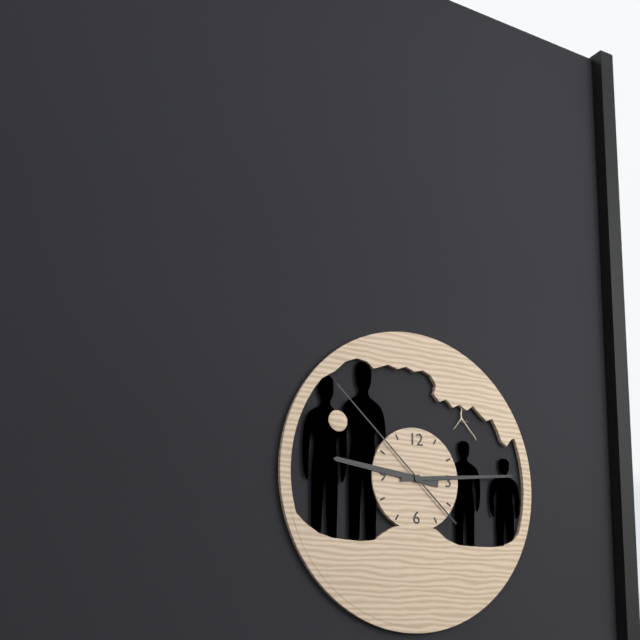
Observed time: 9:14:52
